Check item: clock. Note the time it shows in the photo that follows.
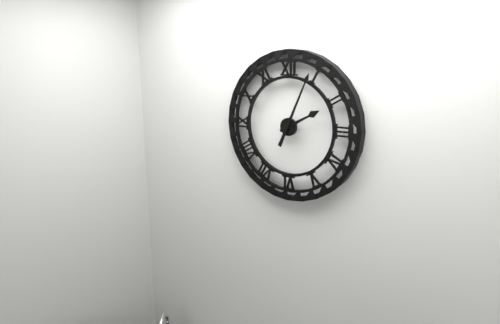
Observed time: 2:04
